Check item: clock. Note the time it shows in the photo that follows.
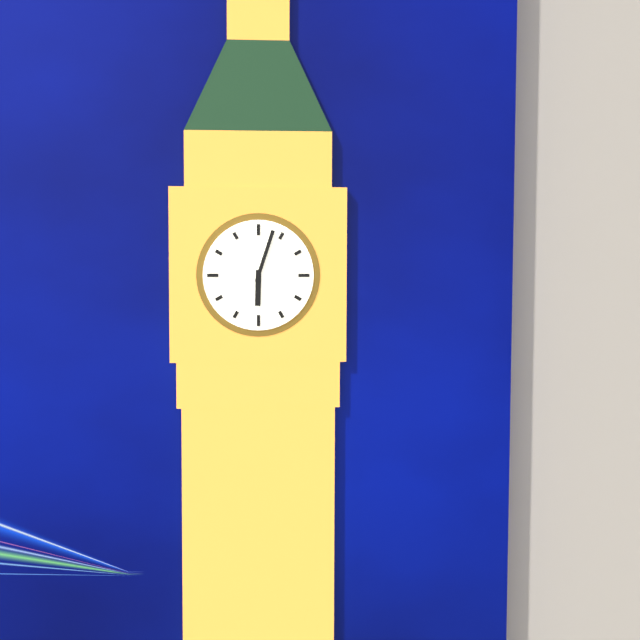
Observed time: 6:03
